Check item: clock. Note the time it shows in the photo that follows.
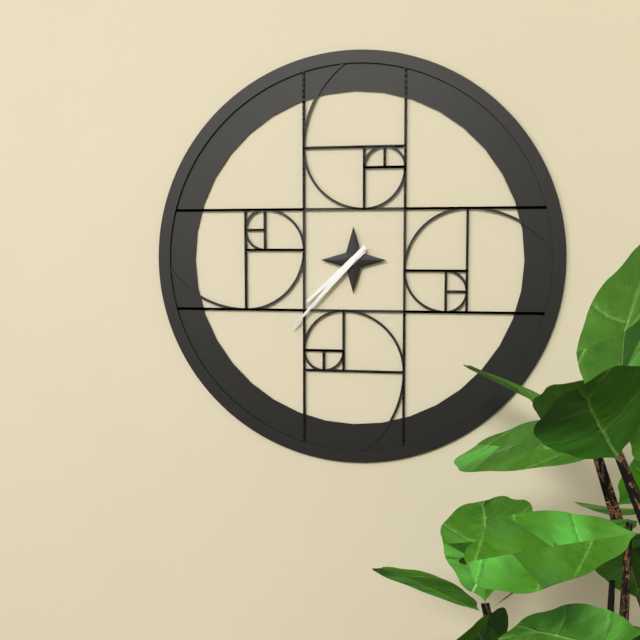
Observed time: 7:37
